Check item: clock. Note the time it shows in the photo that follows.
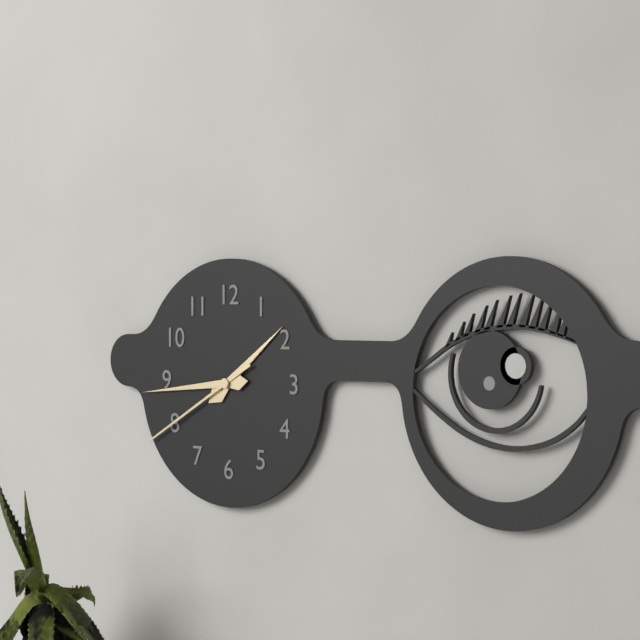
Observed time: 1:44:40
